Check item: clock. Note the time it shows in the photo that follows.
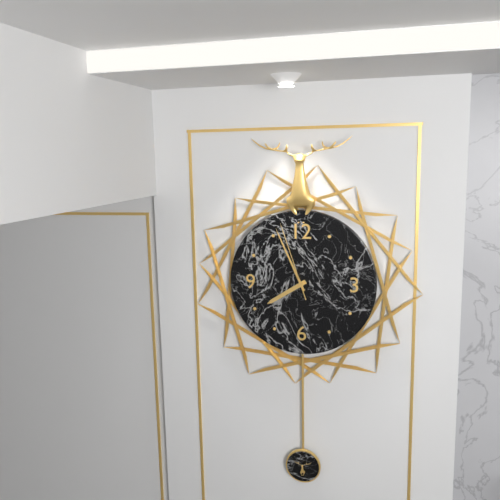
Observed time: 7:56:57
